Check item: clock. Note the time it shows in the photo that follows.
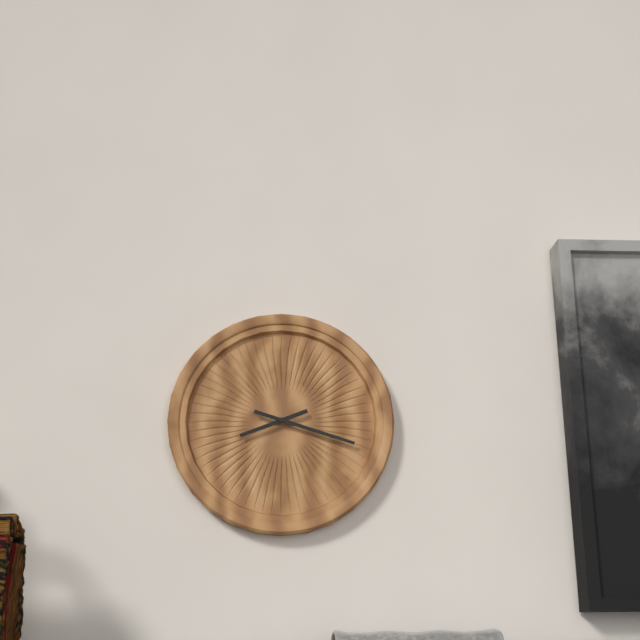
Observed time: 8:18
